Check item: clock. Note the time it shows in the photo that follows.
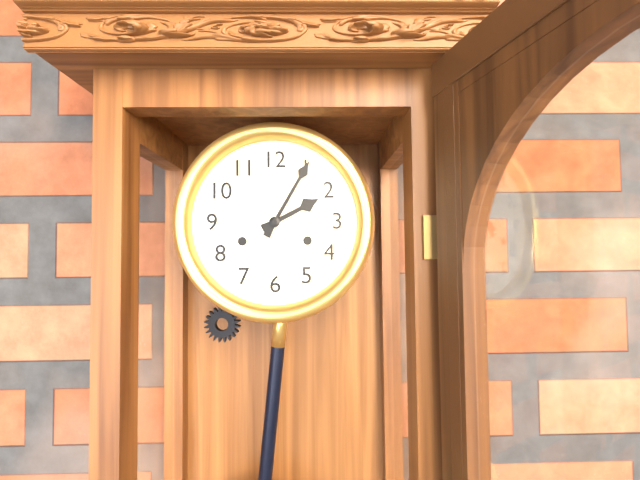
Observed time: 2:05
